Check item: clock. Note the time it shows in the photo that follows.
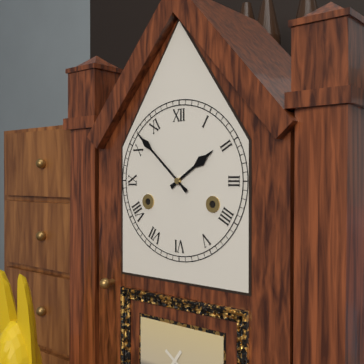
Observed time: 1:52
